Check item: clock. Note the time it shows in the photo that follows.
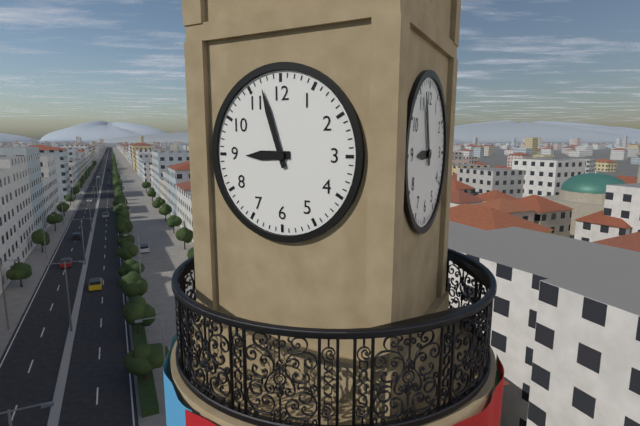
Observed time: 8:57
